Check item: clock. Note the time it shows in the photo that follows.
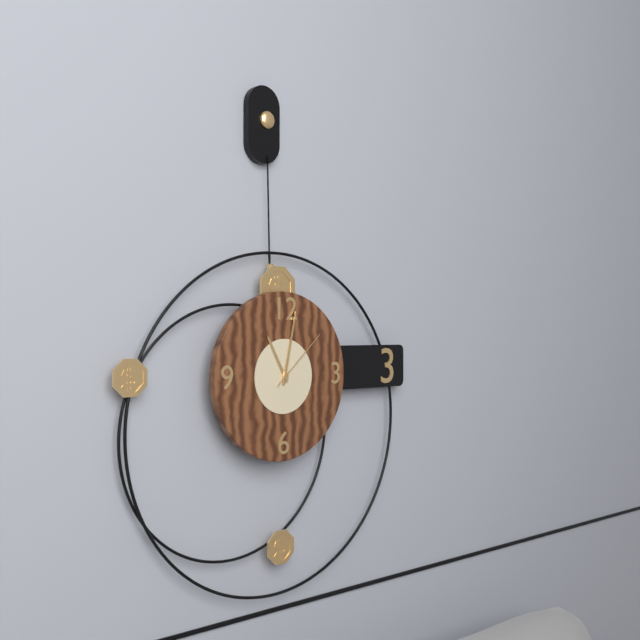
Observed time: 11:02:08
